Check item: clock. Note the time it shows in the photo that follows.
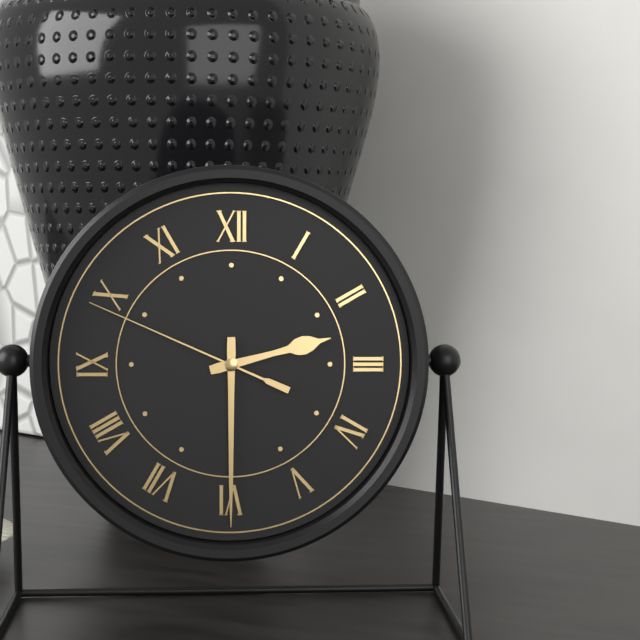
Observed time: 2:30:49
